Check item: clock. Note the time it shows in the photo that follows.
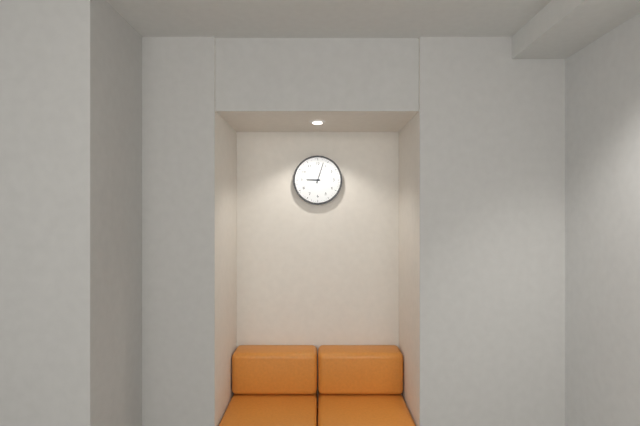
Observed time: 9:03
